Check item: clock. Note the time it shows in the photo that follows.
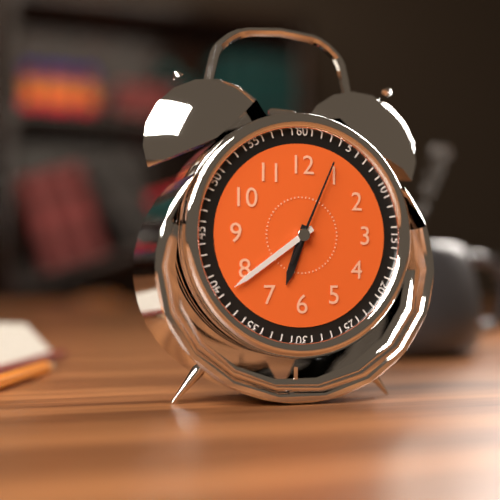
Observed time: 6:39:04
